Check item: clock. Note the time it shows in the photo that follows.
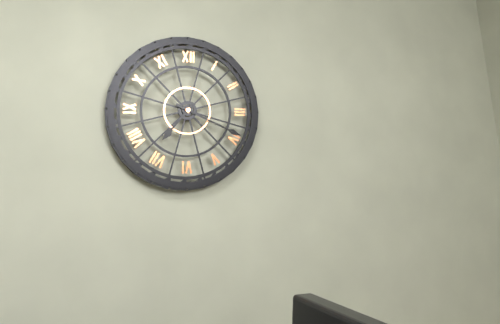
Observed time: 7:19
